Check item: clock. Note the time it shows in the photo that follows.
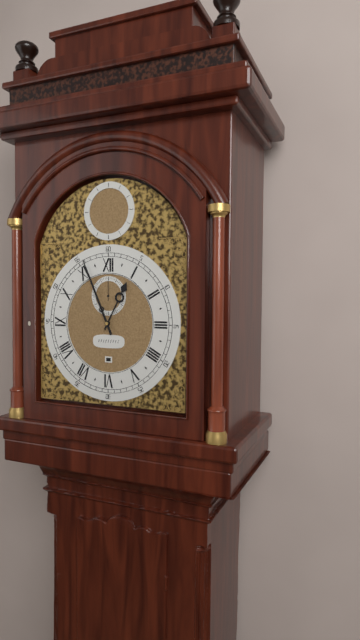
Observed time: 12:56
